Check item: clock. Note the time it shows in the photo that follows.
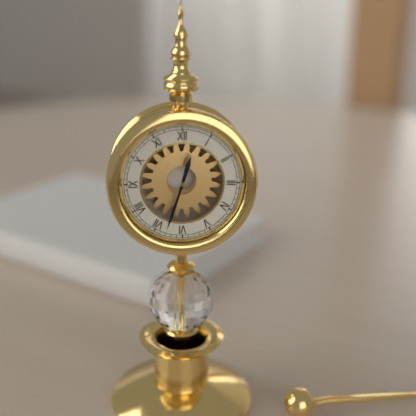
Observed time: 12:33
